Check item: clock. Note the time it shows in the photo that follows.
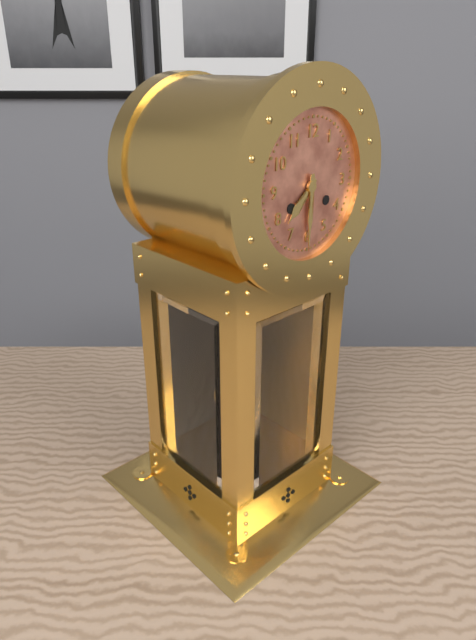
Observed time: 7:30
